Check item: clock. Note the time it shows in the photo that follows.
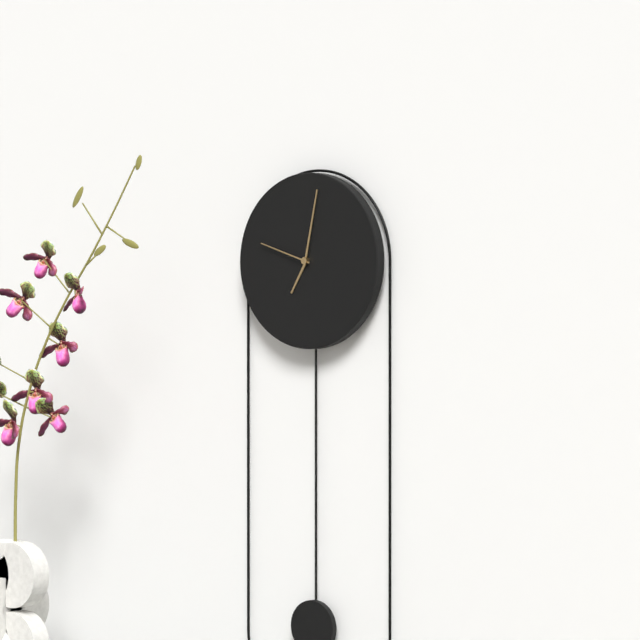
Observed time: 7:02:48
